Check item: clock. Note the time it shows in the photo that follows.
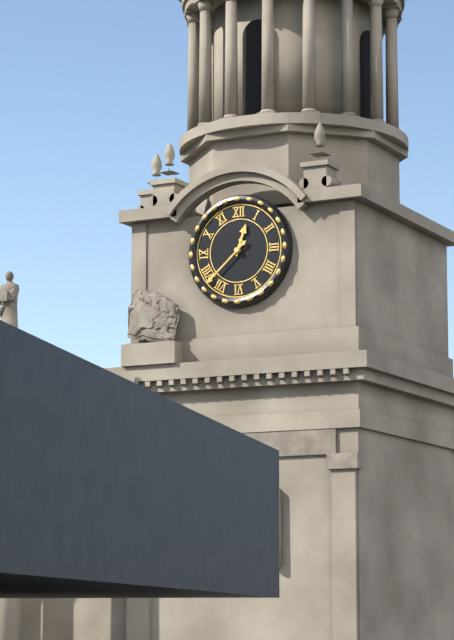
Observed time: 12:38
